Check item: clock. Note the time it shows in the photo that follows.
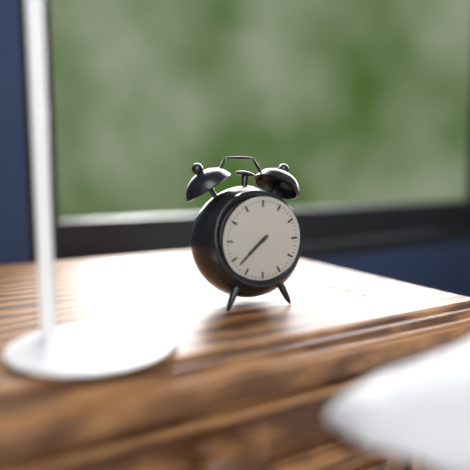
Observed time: 7:38
